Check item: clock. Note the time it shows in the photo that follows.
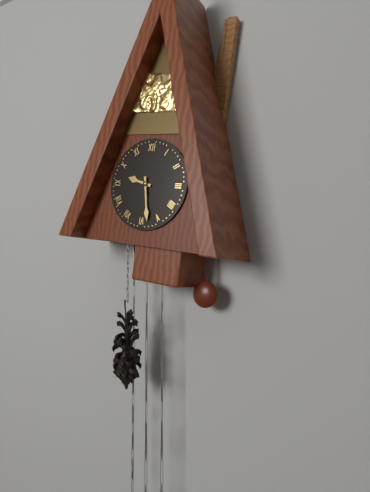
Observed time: 9:28
